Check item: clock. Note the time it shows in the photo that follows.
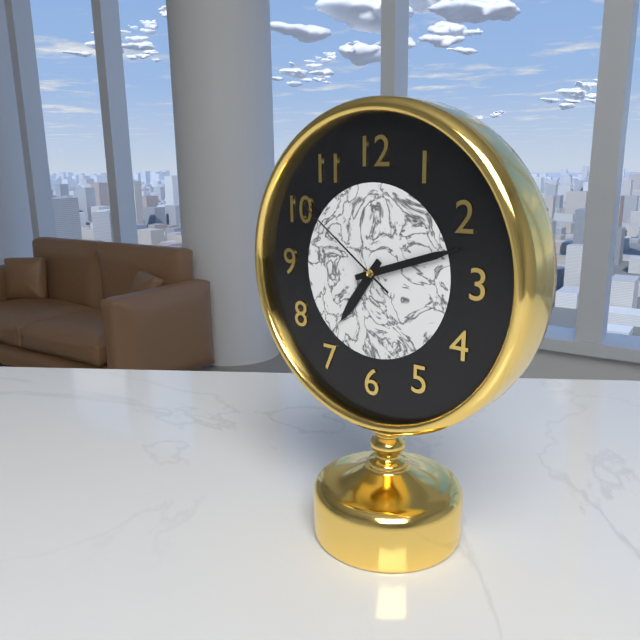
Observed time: 7:12:51
